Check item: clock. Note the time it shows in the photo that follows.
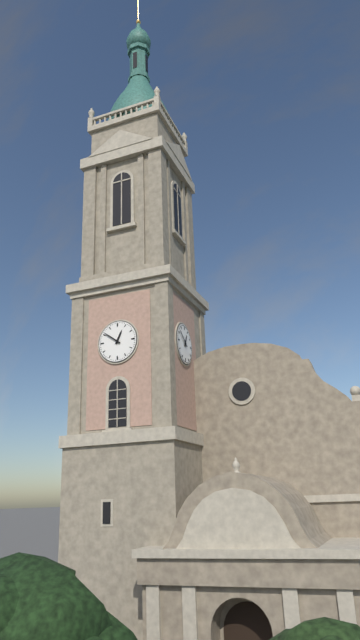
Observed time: 12:51
